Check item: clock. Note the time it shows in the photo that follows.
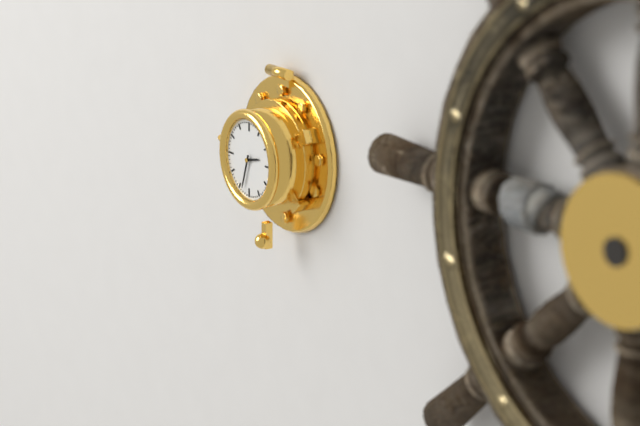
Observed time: 2:33
